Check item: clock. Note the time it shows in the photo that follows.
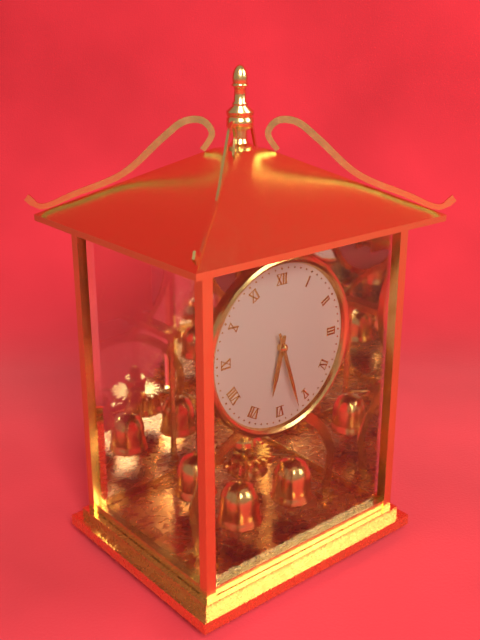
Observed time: 6:27
